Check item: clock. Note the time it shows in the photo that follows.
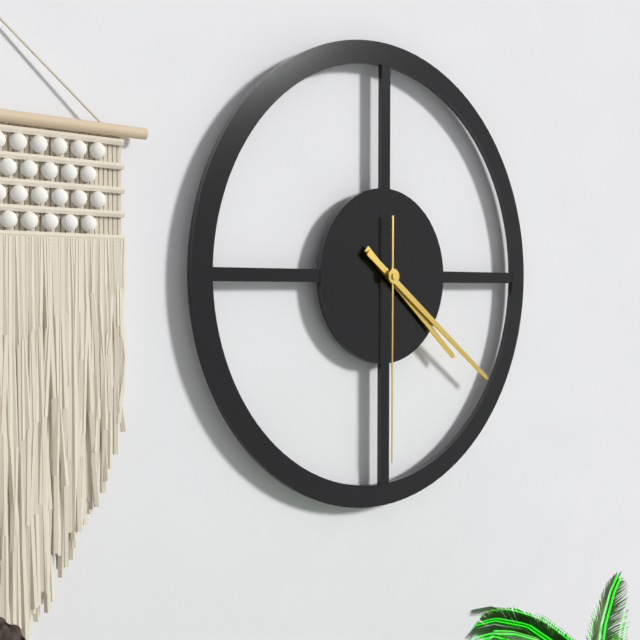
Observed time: 4:21:30
